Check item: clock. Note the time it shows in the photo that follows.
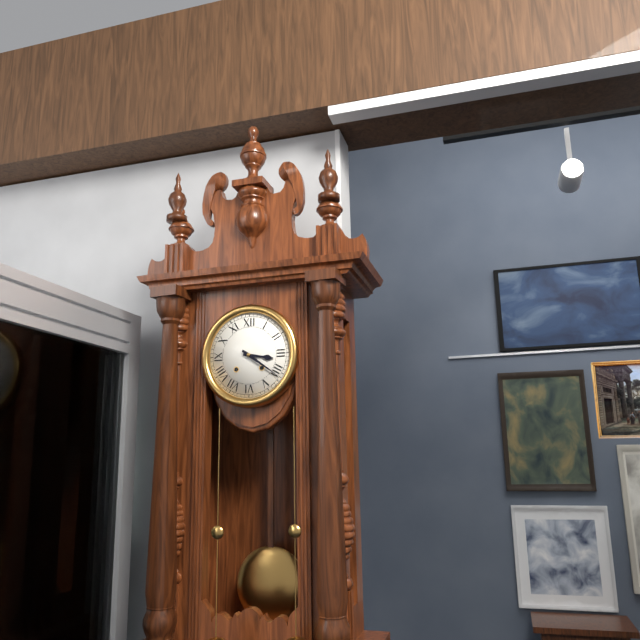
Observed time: 3:21
